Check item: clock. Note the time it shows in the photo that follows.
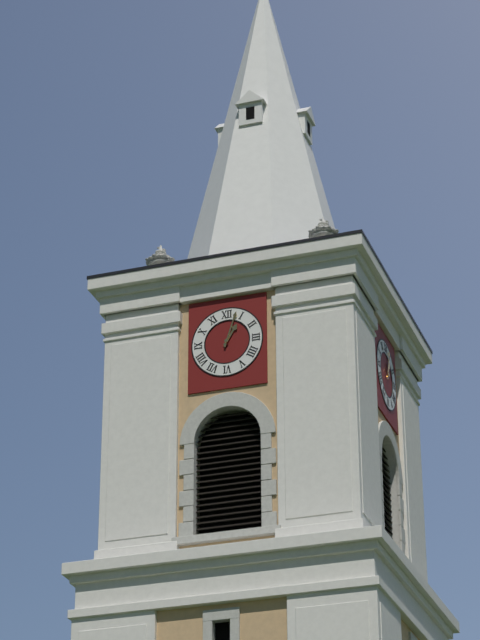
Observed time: 1:03
